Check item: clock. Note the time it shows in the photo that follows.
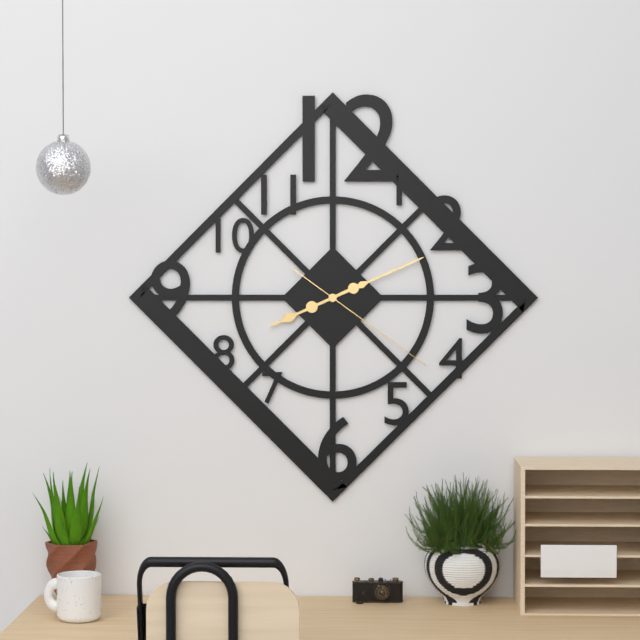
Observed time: 8:11:21
